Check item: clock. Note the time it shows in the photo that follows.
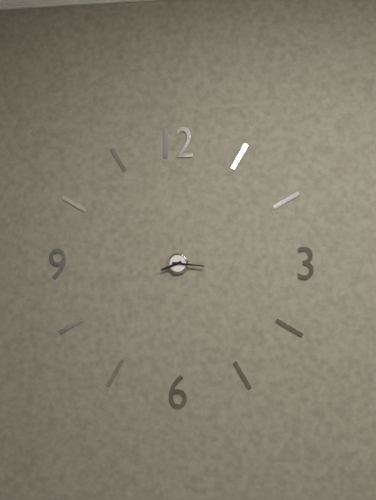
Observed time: 8:16
